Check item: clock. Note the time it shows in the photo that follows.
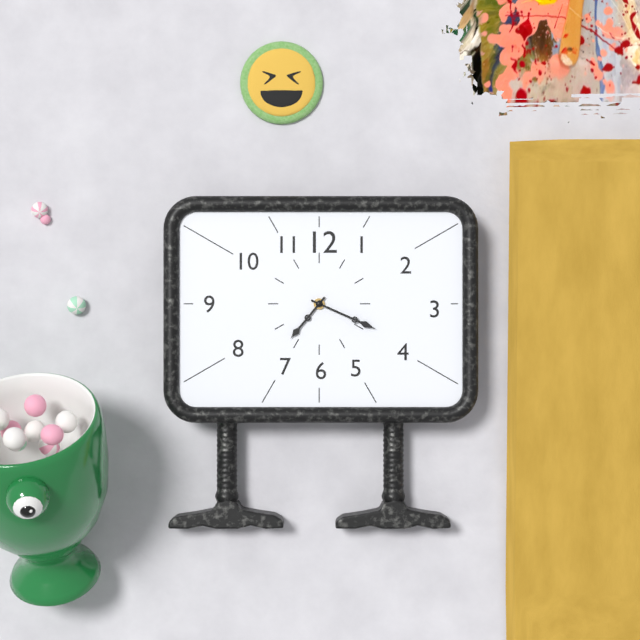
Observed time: 7:19
